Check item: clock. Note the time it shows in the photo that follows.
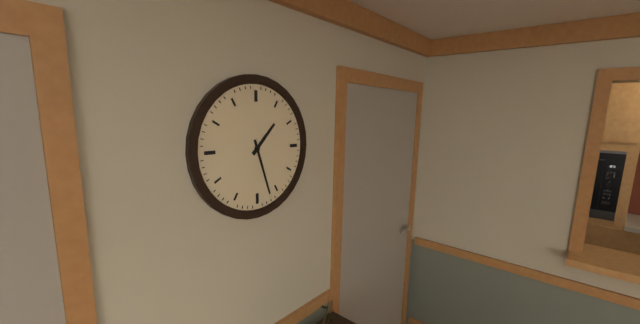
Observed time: 1:27
